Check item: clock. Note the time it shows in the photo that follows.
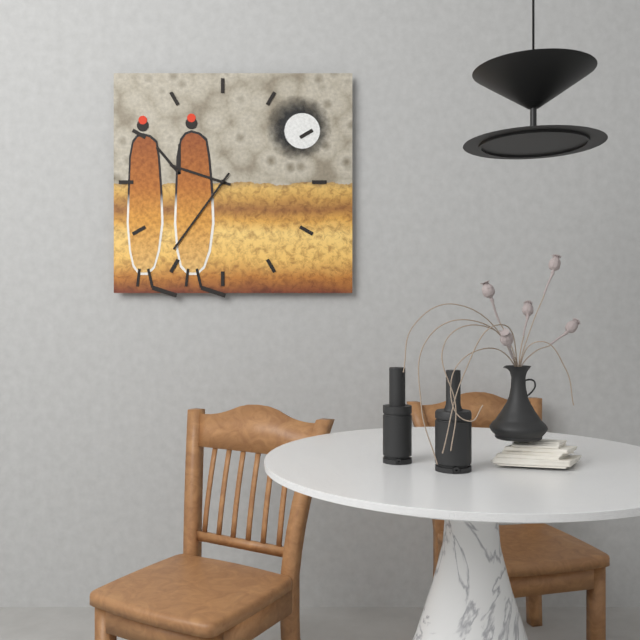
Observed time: 9:36
